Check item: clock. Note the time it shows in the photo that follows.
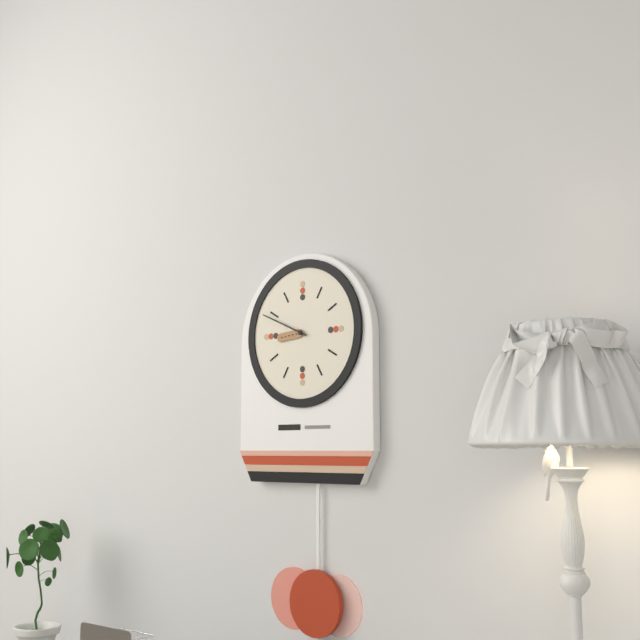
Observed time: 8:49
